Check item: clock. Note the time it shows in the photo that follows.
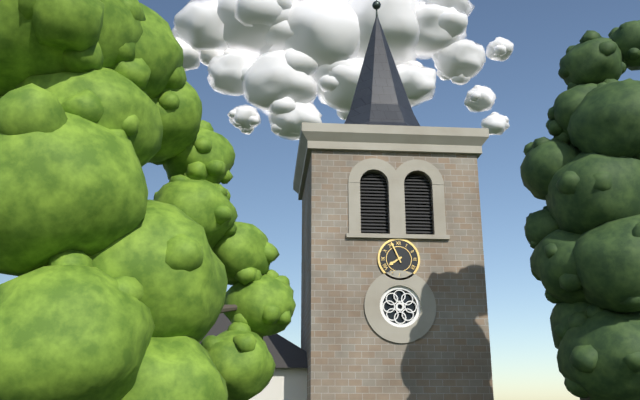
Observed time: 7:56
